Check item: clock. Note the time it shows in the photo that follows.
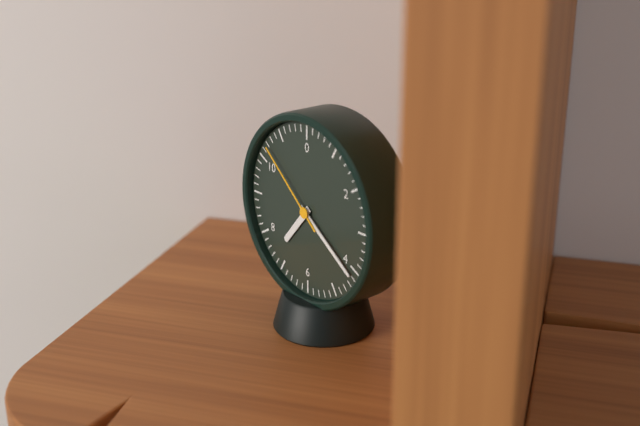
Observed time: 7:21:52
